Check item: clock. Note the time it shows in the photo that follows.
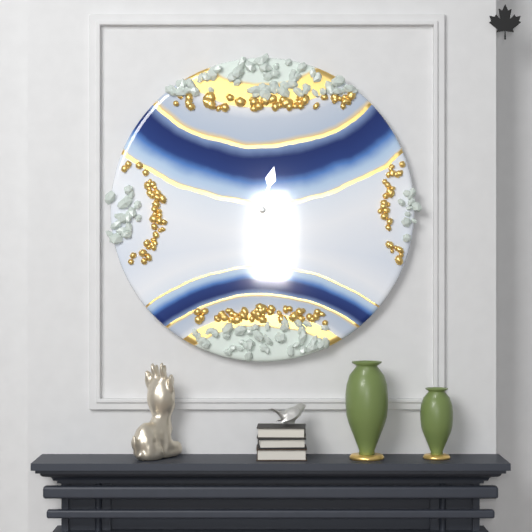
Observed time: 12:30
